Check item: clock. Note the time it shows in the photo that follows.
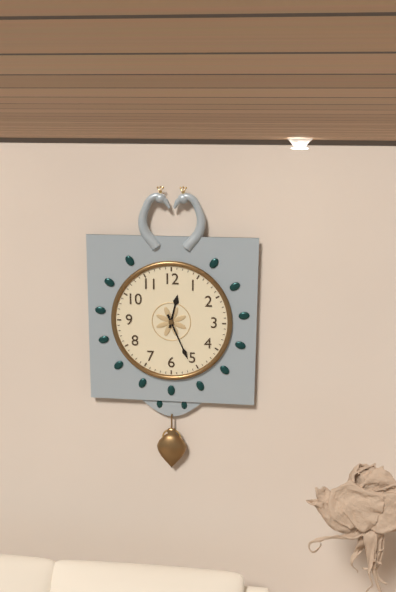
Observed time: 12:26
